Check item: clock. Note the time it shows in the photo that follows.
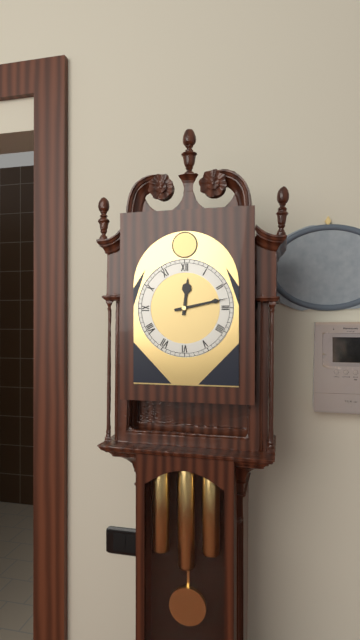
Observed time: 12:13
